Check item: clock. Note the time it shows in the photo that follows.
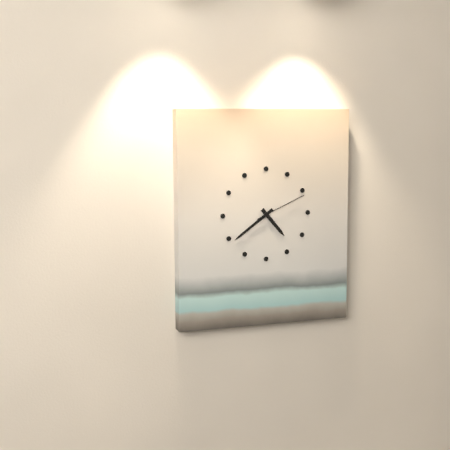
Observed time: 4:39:11
